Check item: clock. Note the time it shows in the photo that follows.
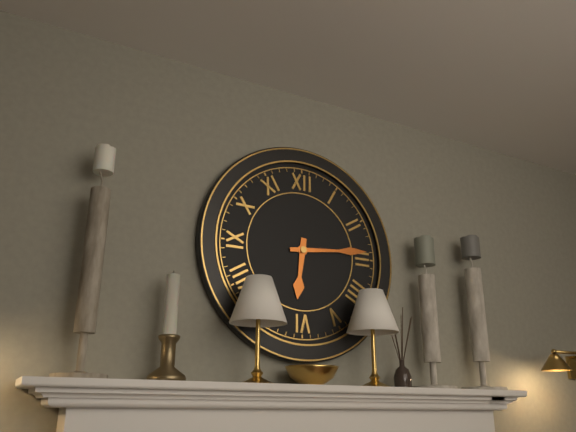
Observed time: 6:14
